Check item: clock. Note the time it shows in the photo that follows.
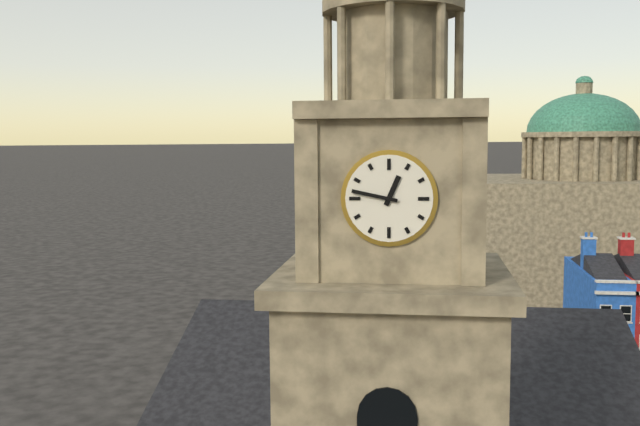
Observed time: 12:47
